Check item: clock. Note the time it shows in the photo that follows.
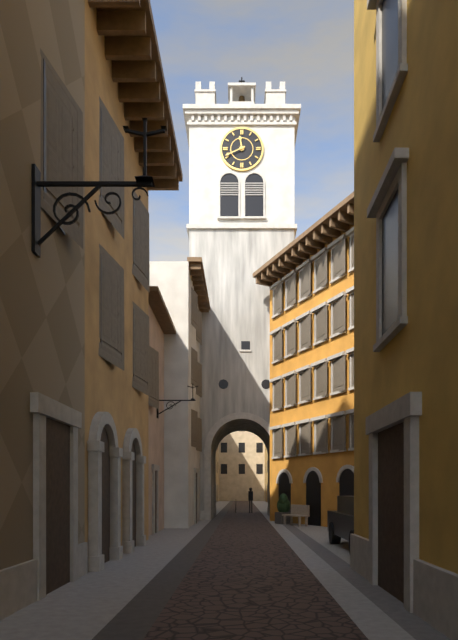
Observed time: 11:41
